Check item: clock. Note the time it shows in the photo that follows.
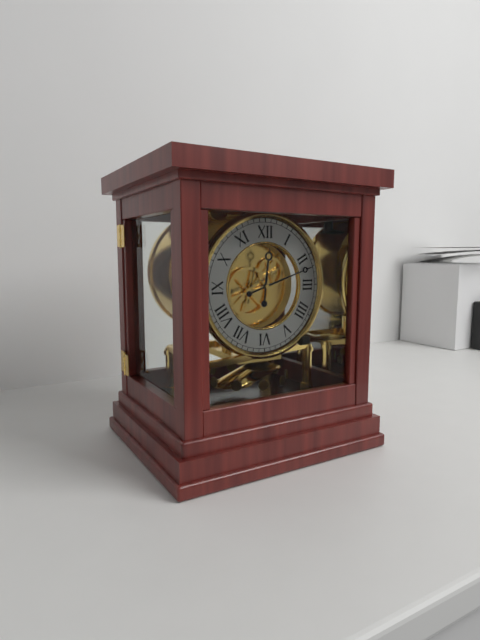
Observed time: 12:12
